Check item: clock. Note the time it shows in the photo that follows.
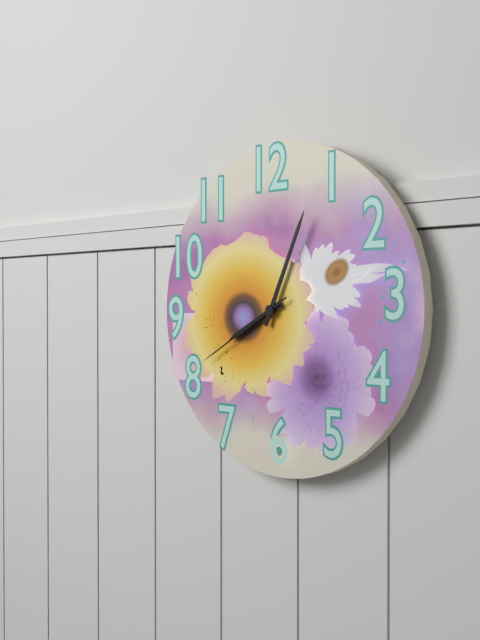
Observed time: 8:04:40
